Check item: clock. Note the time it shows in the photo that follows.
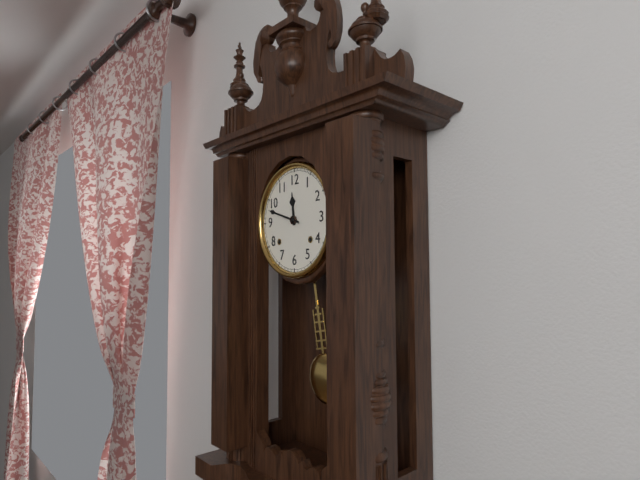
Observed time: 11:48
